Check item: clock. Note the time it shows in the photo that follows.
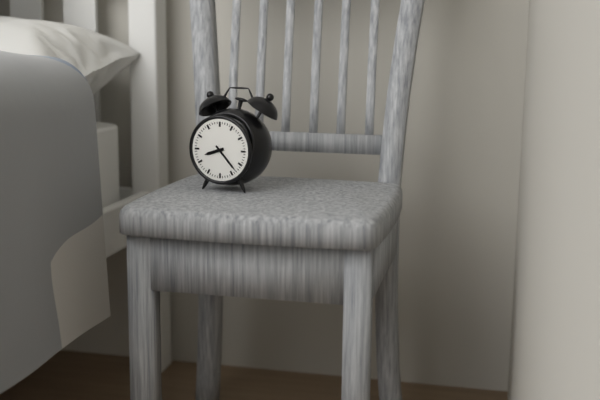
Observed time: 8:23
